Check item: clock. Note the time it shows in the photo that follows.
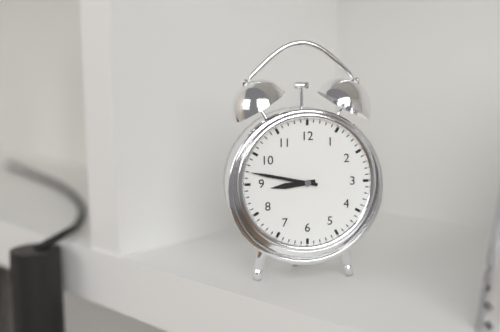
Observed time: 8:47
